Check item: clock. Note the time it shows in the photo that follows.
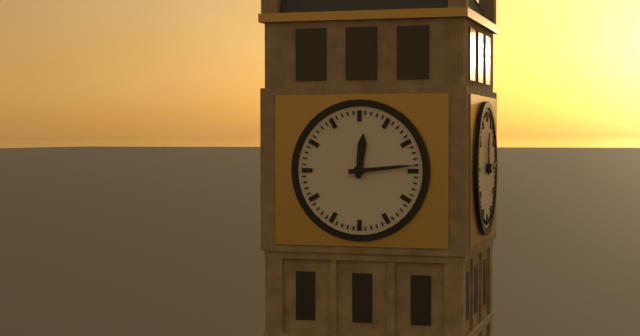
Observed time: 12:14
